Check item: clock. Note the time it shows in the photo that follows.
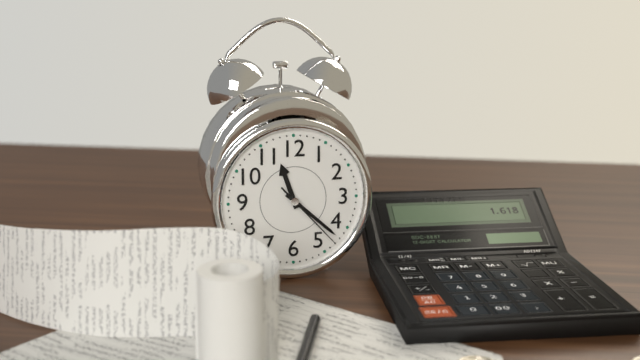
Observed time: 11:22:23
